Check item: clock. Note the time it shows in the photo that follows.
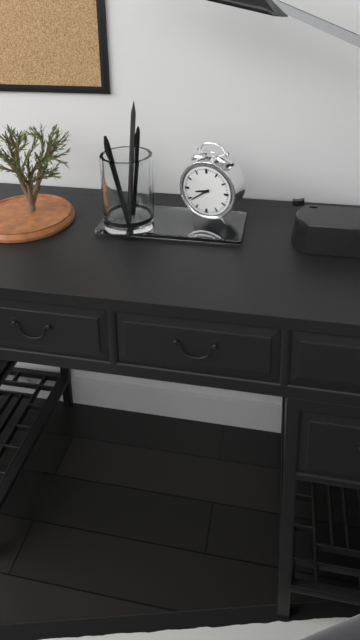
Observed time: 8:39
